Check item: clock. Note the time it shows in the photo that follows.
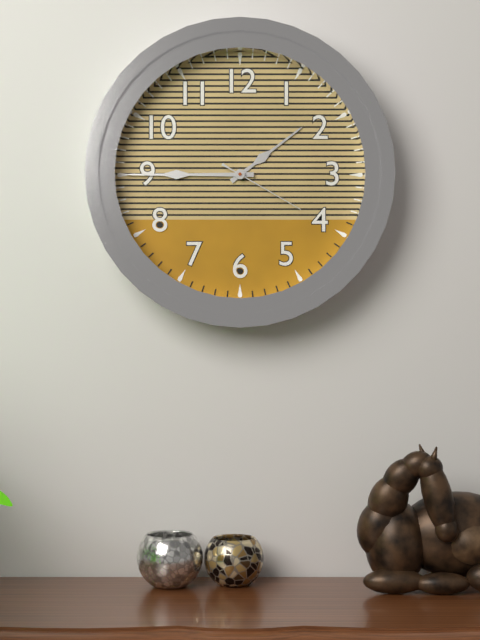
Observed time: 1:45:20
